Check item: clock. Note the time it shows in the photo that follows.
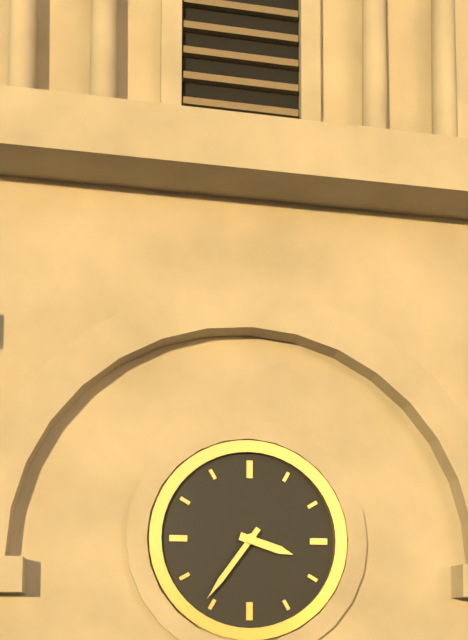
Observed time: 3:36
